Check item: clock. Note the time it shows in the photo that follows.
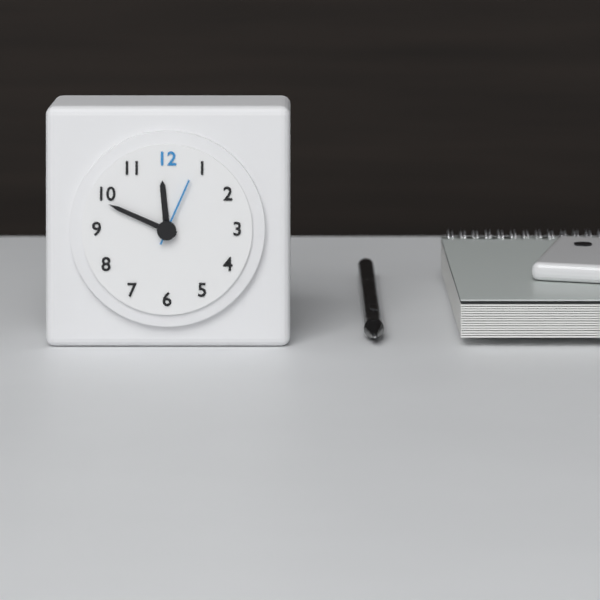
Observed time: 11:49:04
